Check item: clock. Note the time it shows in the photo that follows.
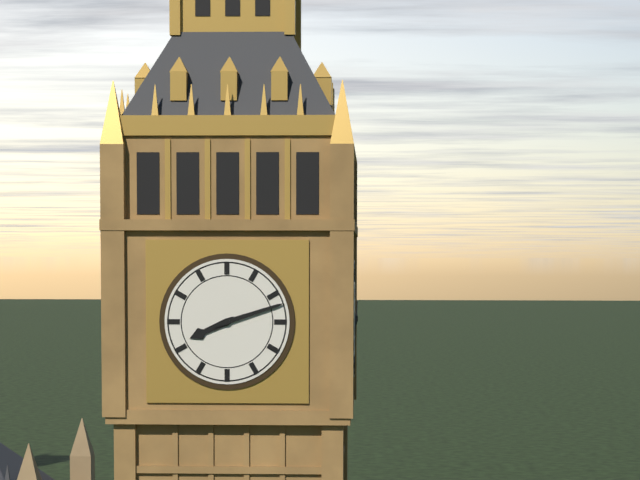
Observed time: 8:12
